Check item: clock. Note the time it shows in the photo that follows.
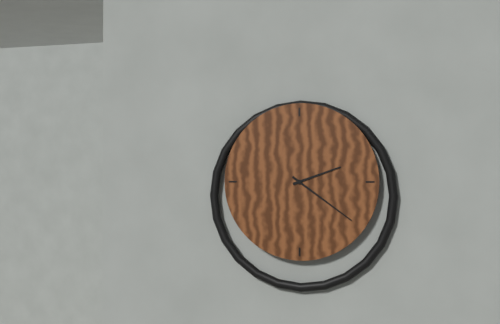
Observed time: 2:21
